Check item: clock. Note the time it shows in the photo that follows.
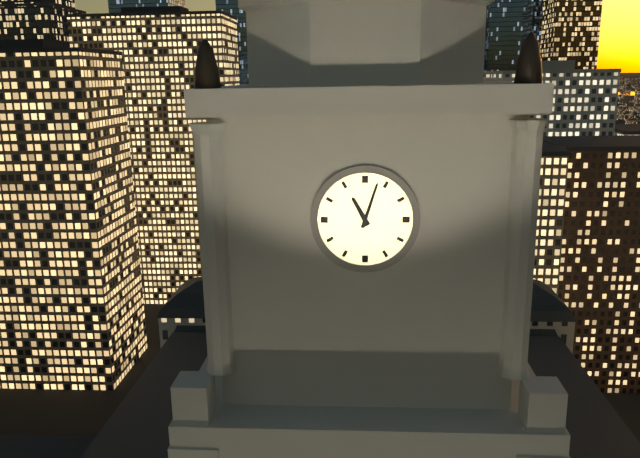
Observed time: 11:03
